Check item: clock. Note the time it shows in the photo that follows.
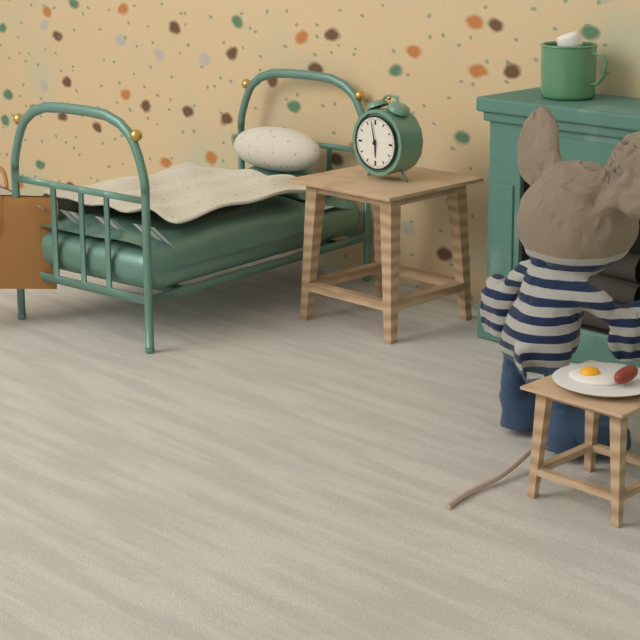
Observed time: 5:58
